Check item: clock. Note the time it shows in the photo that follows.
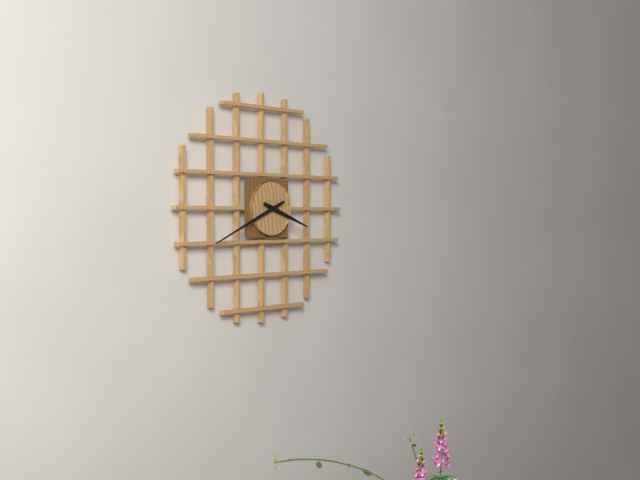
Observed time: 3:41
